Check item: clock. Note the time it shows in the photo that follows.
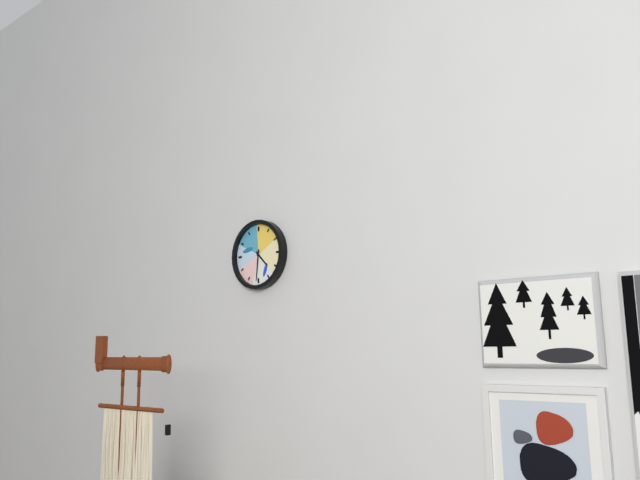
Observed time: 4:31
